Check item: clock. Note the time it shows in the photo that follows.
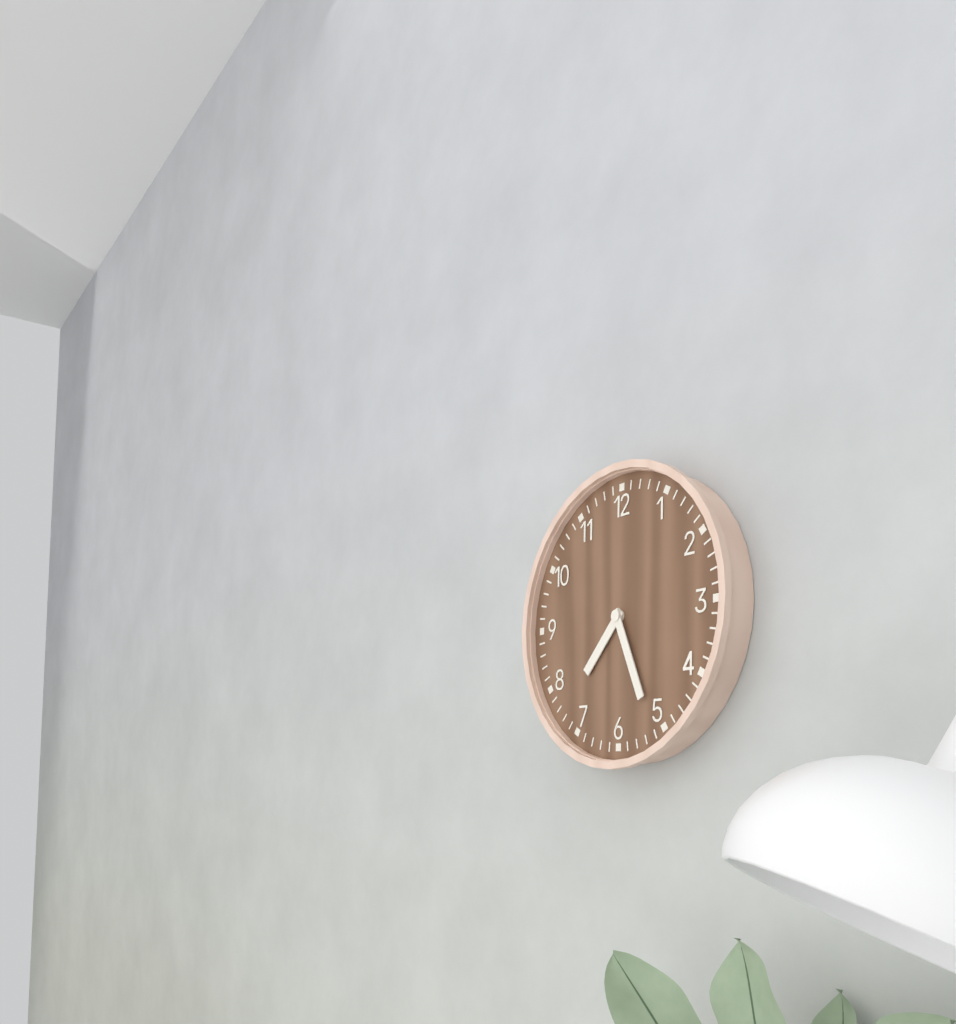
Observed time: 7:26
